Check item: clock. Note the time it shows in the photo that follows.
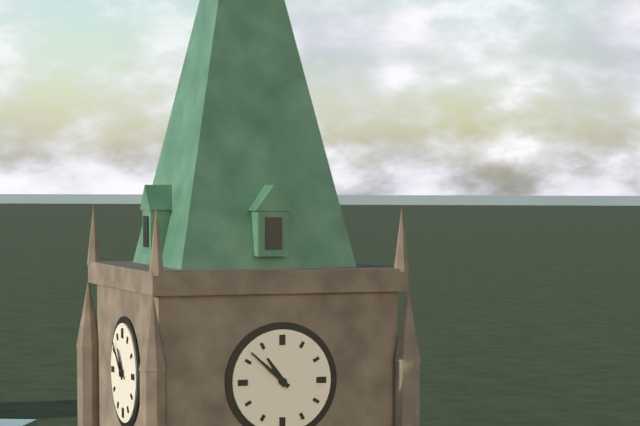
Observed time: 10:52
